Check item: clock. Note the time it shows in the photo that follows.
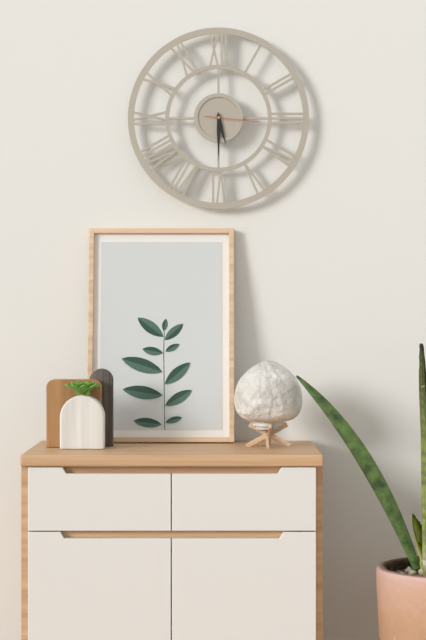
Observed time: 5:30:16
